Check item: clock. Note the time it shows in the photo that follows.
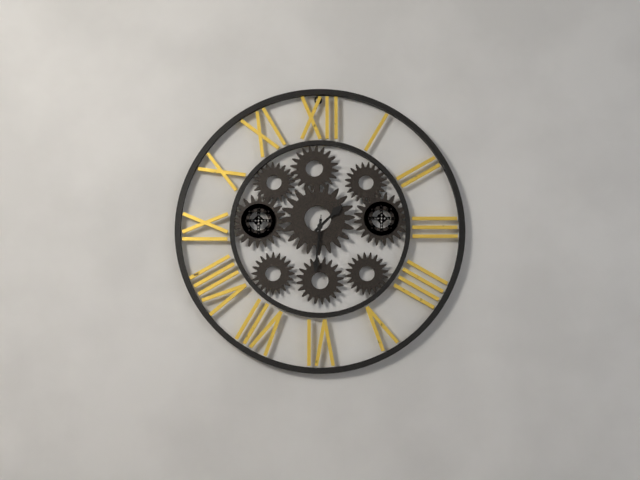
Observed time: 1:31
